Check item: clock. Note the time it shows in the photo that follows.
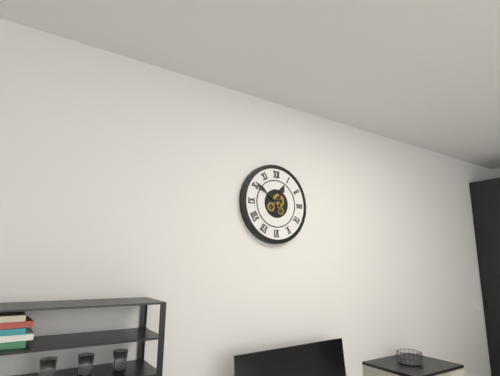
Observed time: 12:51
